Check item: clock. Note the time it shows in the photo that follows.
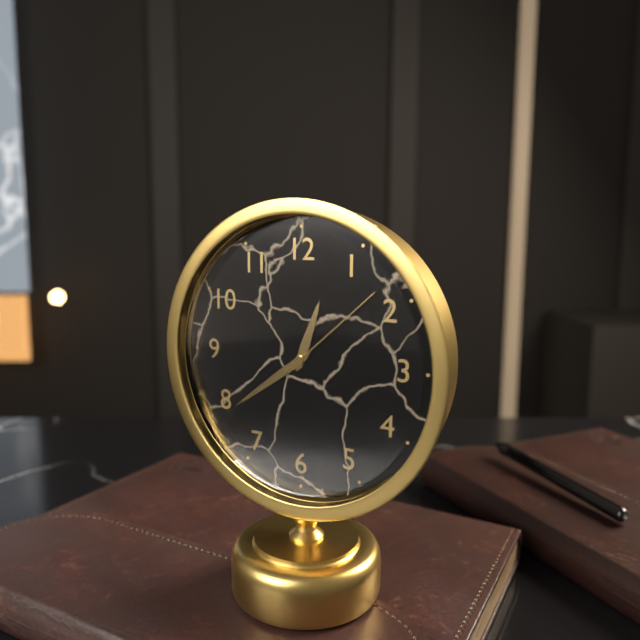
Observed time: 12:39:08
